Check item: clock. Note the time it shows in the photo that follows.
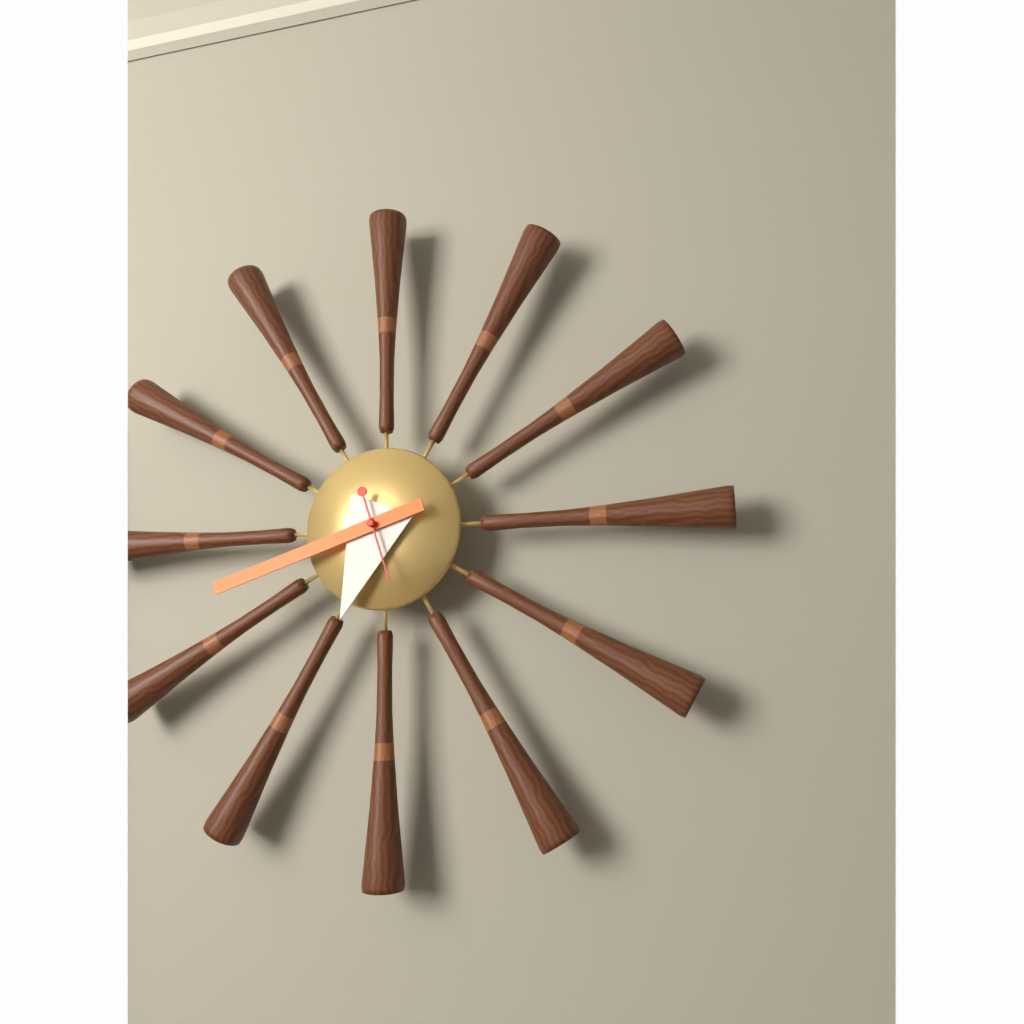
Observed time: 6:42:27
